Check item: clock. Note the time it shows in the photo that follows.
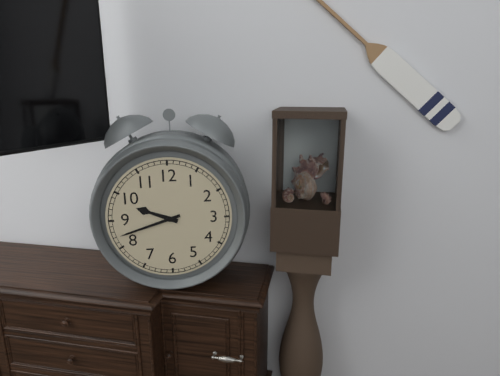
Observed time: 9:42
